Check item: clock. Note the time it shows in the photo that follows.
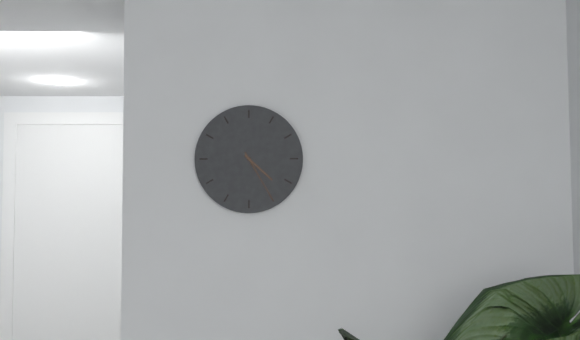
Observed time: 4:25
